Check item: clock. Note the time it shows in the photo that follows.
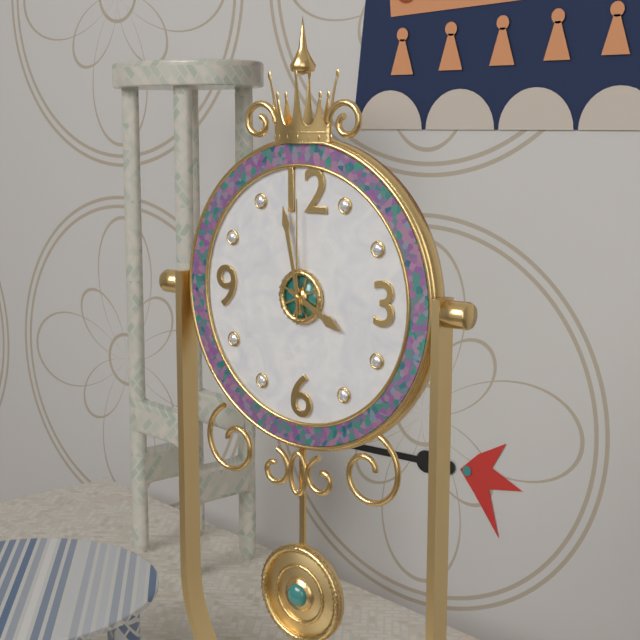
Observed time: 3:58:00
